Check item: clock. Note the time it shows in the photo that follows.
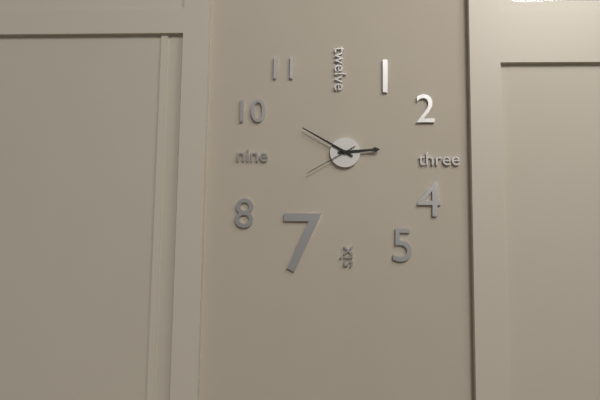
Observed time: 2:50:40
